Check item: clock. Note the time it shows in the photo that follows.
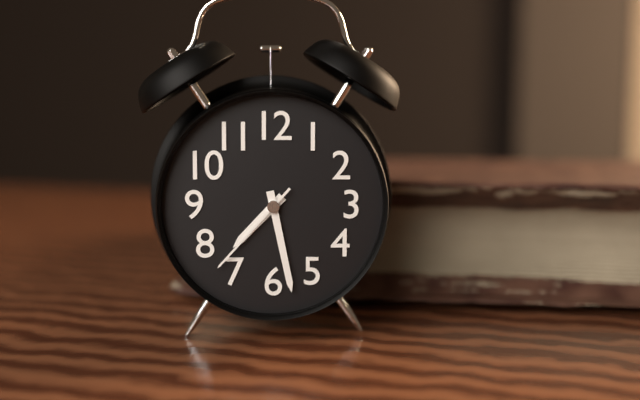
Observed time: 7:28:37
